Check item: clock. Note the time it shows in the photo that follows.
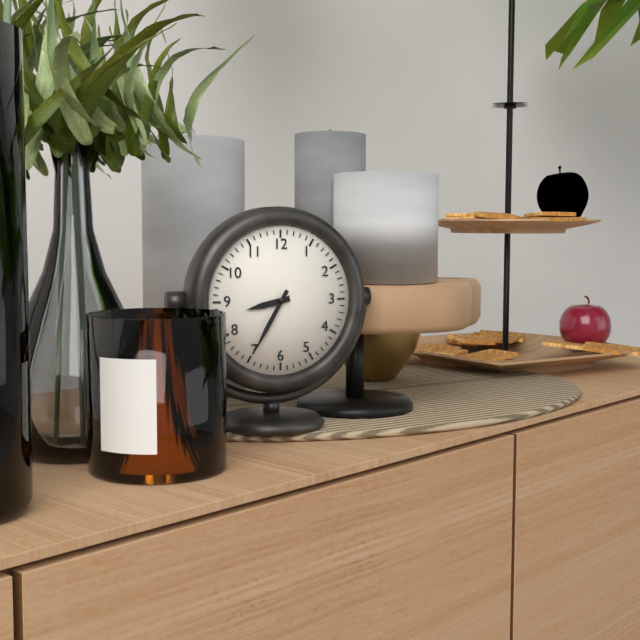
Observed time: 8:35
